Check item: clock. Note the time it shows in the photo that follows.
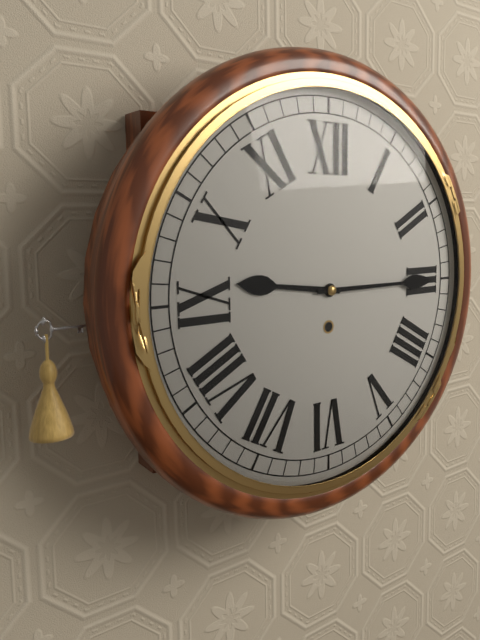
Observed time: 9:15
